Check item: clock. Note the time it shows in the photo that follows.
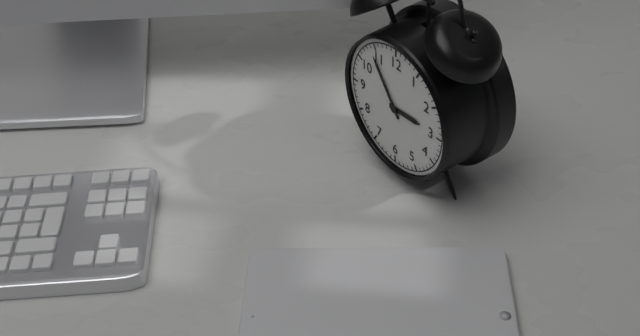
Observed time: 2:54
